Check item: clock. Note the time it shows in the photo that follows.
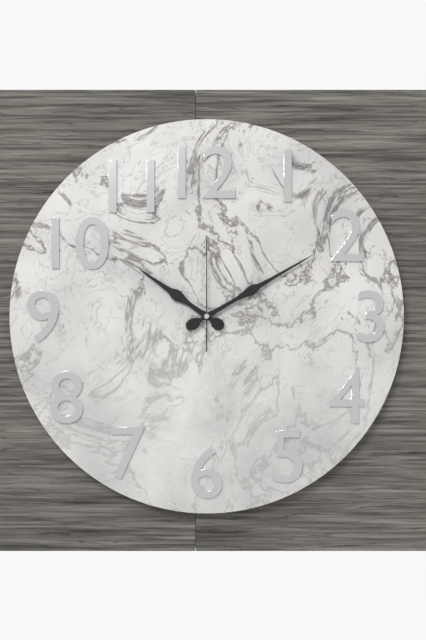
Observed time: 10:10:00
